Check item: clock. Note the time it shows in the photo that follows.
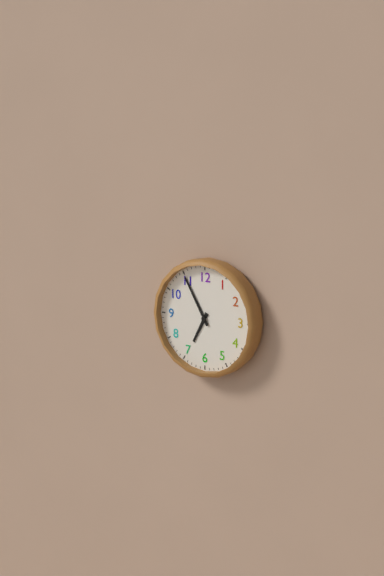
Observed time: 6:55
